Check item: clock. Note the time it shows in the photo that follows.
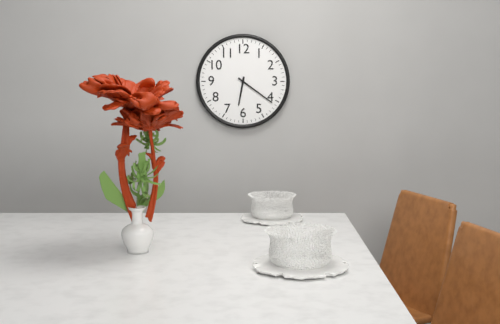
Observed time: 6:21
